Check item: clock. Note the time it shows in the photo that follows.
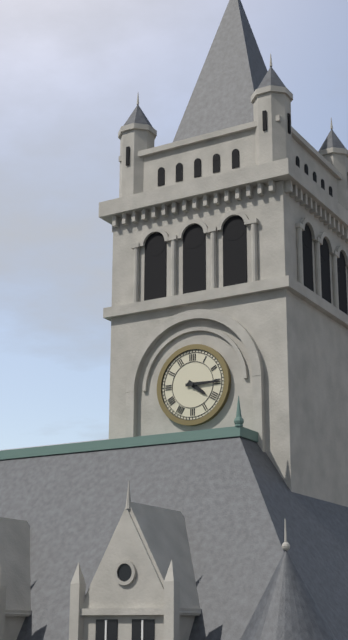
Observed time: 4:15
